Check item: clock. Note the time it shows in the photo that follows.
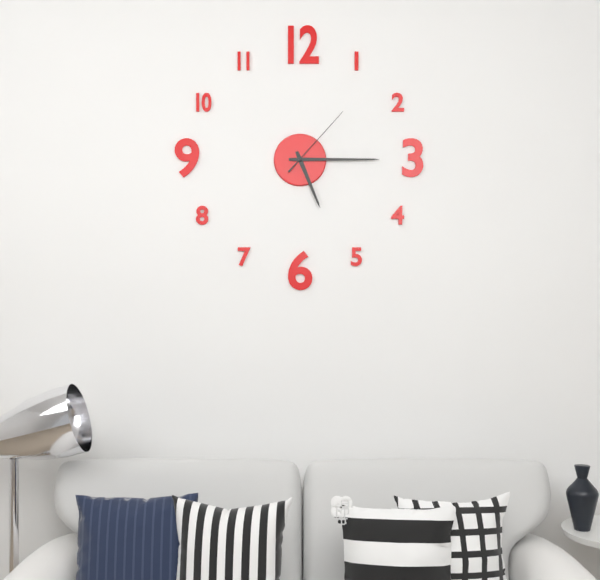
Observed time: 5:15:07
